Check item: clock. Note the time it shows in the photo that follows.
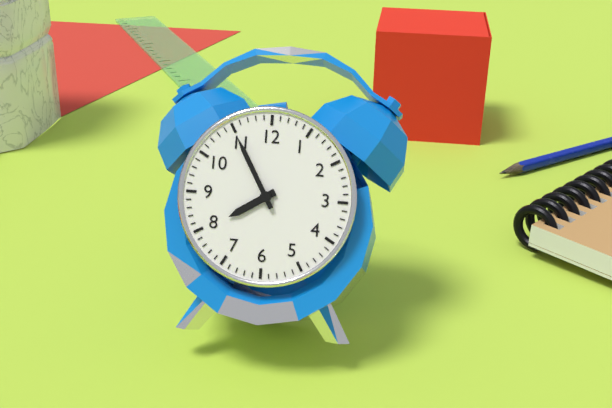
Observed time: 7:55
